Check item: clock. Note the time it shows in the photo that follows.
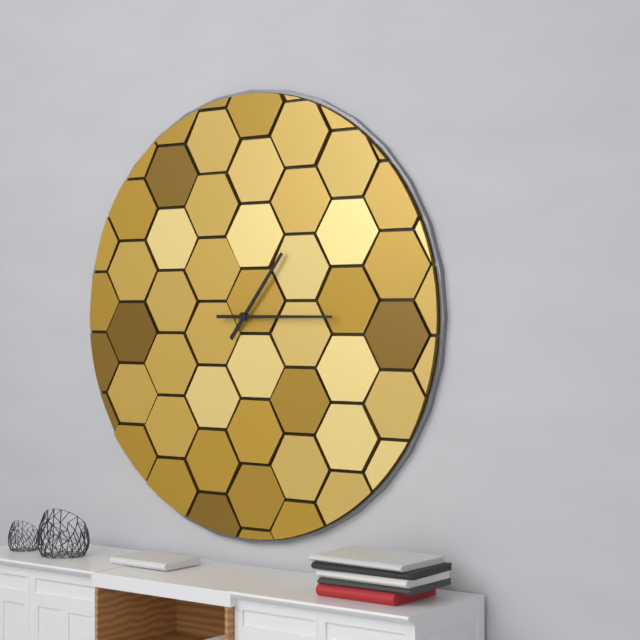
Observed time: 1:15
